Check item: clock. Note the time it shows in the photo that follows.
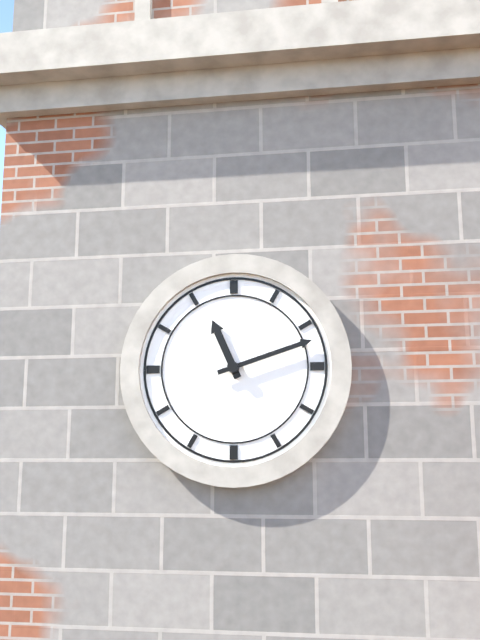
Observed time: 11:12
